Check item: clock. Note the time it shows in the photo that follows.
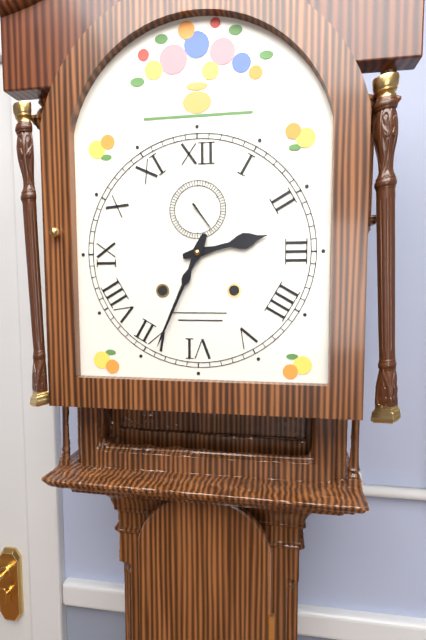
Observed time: 2:34
